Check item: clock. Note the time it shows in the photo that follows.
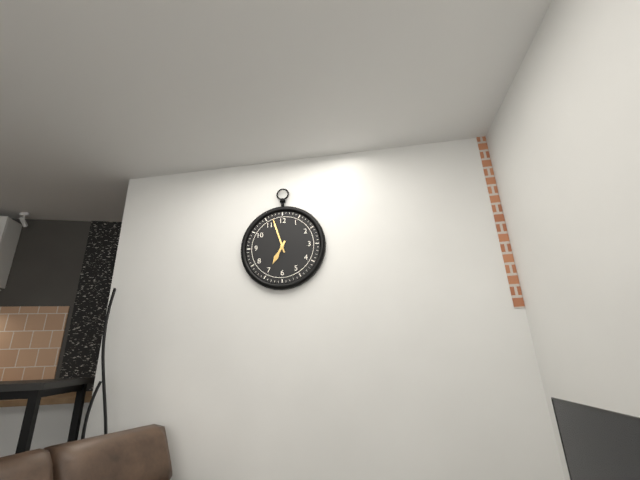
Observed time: 6:57
